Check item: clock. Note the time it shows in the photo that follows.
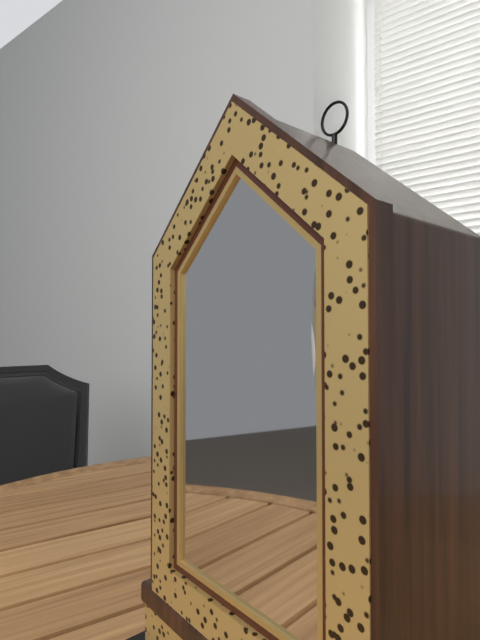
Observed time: 5:27
